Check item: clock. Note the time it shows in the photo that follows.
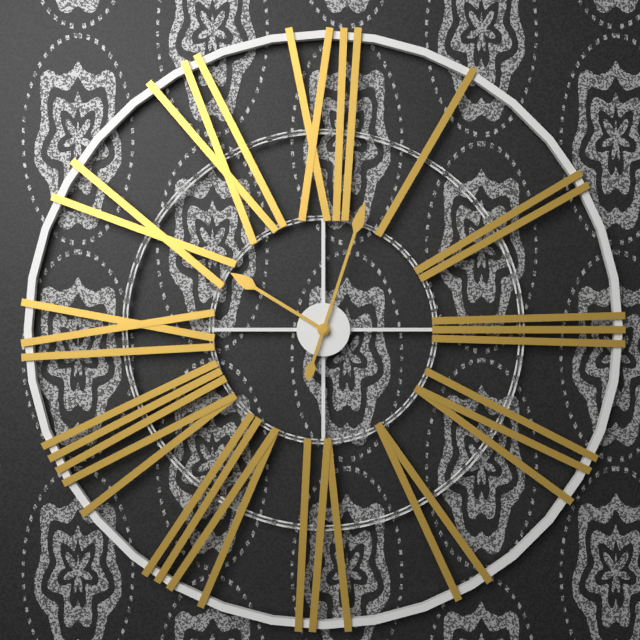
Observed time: 10:03
